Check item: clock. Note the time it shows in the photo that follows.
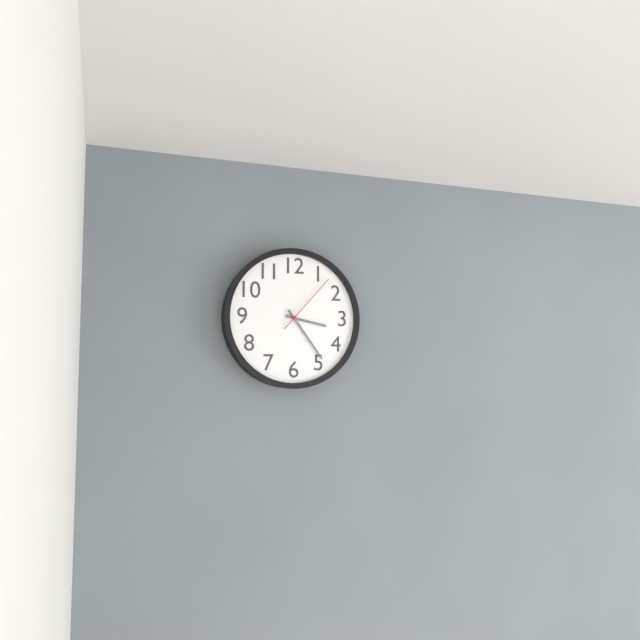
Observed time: 3:24:07
